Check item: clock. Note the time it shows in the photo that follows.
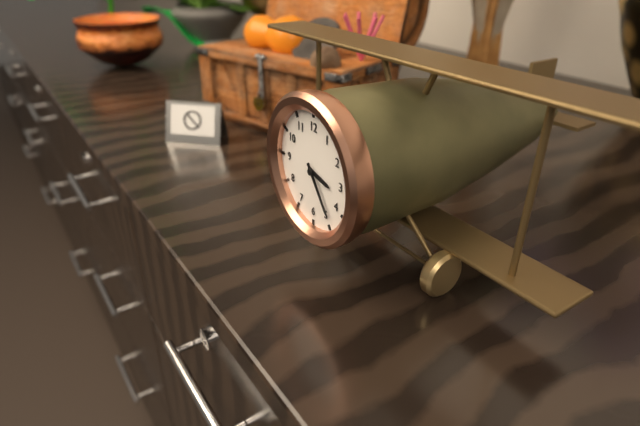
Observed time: 3:24
